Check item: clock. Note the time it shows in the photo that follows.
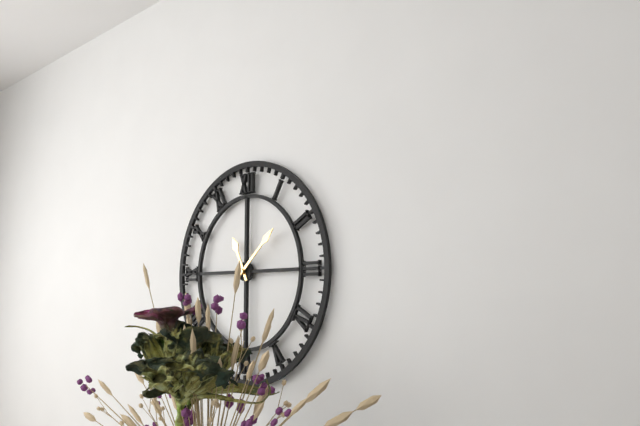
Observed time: 11:08
